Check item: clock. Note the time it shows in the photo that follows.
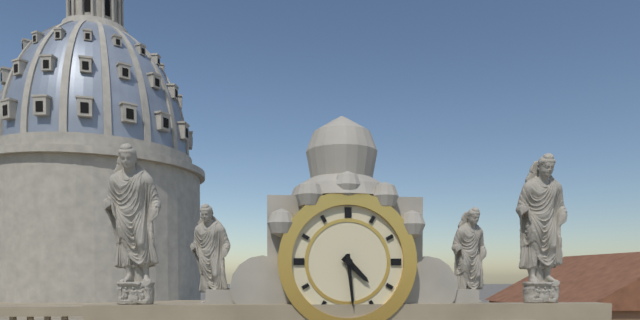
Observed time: 4:29
